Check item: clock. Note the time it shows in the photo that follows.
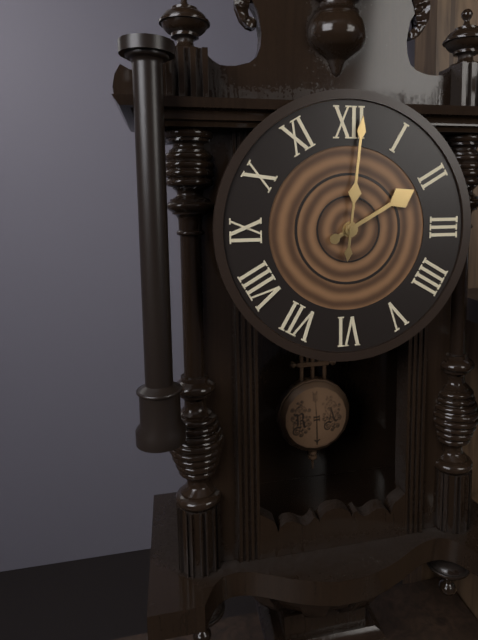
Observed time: 2:01
